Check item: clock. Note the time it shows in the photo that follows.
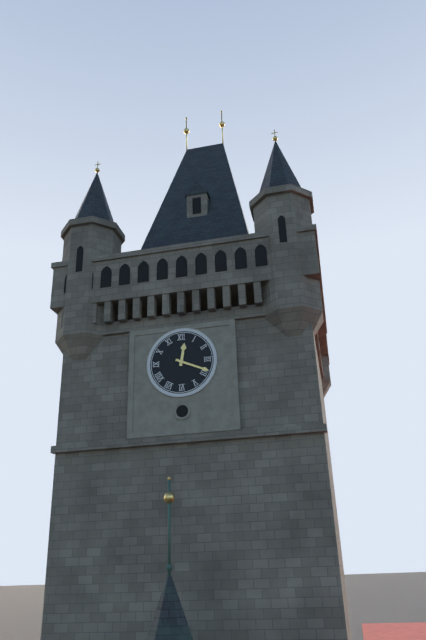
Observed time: 12:19
